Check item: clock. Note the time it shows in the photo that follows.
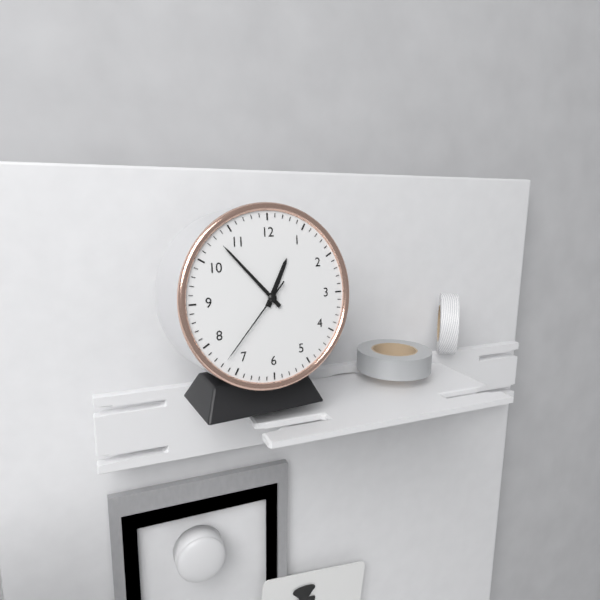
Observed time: 12:53:37
